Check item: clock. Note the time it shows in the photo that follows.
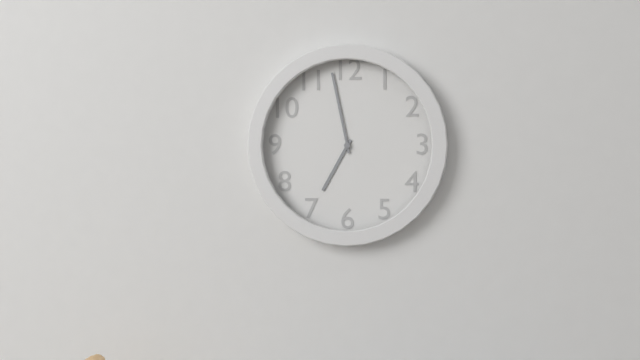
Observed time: 6:58
